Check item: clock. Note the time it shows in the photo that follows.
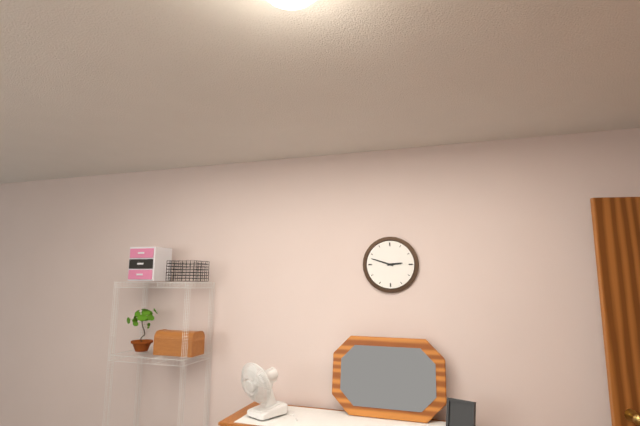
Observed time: 2:48
